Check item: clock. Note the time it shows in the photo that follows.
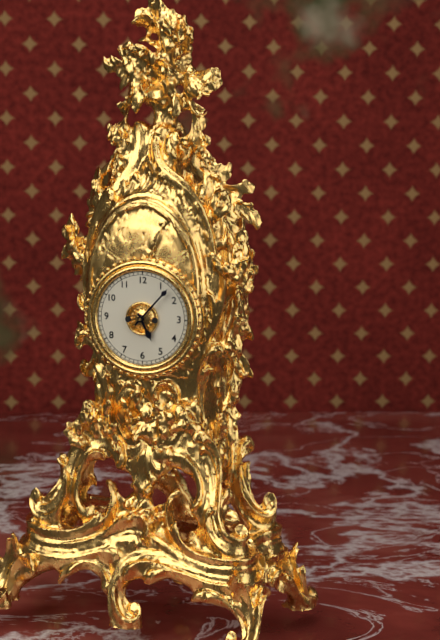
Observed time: 5:07
